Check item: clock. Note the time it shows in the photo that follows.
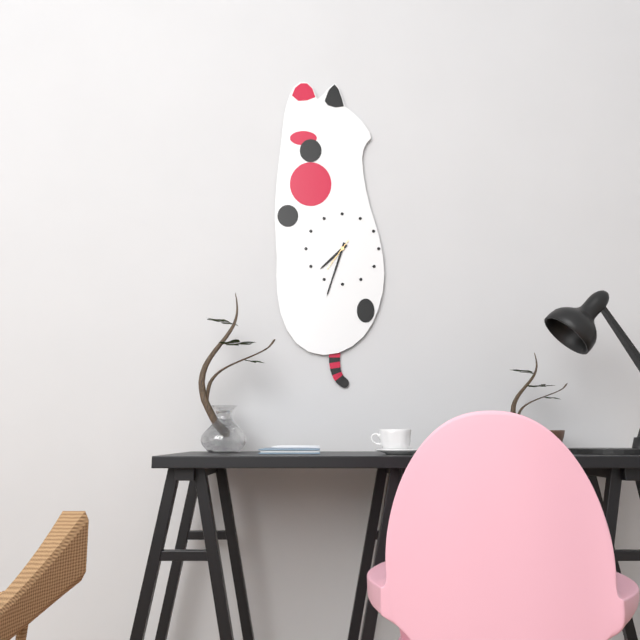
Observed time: 7:33
